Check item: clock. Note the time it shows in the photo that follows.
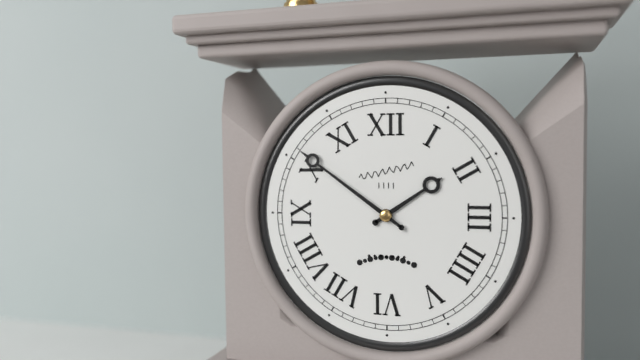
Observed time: 1:51
